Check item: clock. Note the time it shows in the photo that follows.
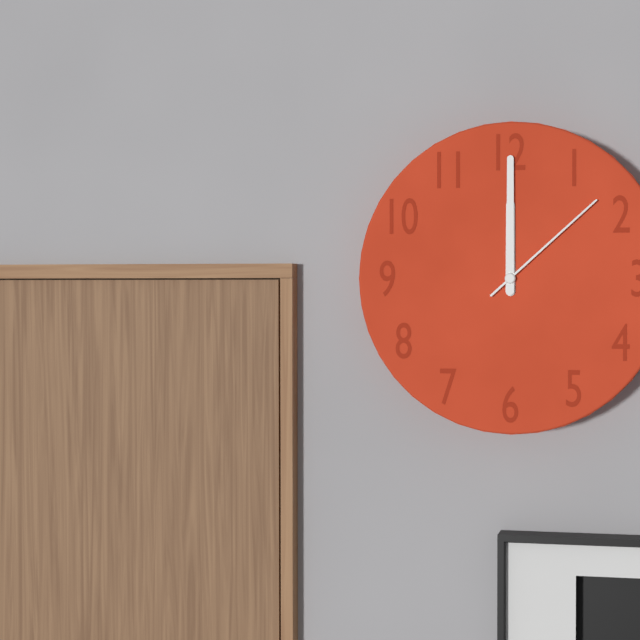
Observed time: 12:00:08
